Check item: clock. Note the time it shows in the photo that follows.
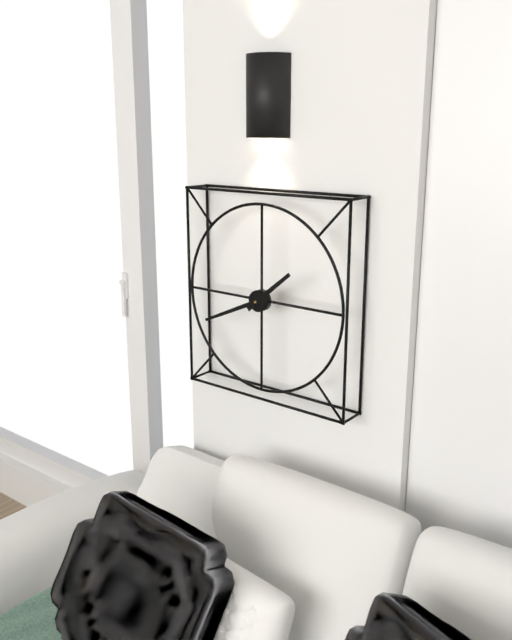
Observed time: 1:41
